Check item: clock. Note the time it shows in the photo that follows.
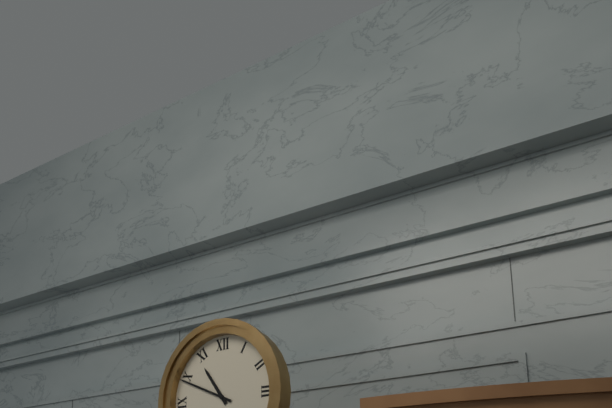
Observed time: 10:49
